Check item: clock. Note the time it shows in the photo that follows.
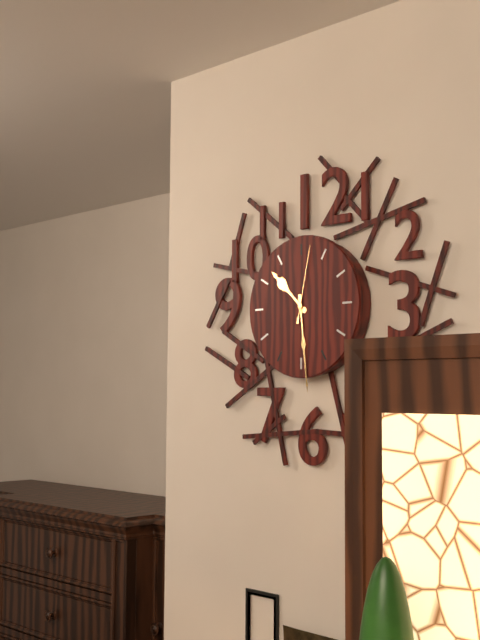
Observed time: 10:29:02
